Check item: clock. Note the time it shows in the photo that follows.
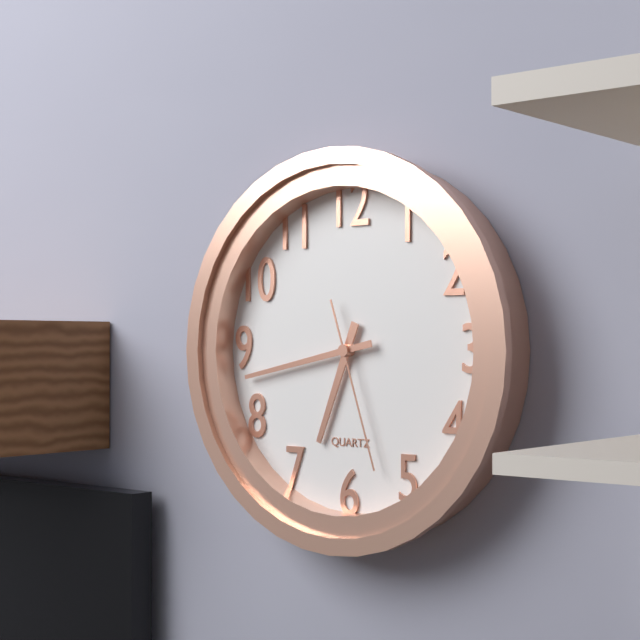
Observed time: 6:43:27
